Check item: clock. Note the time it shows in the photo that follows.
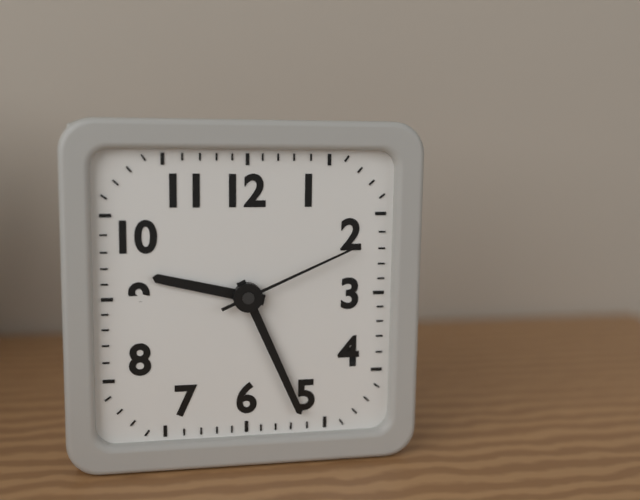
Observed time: 9:26:11
